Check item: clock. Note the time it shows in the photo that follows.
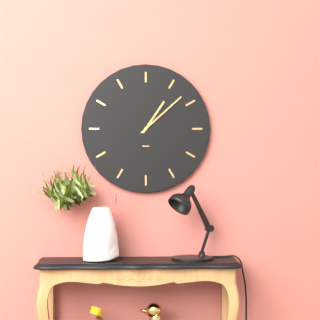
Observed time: 1:08
